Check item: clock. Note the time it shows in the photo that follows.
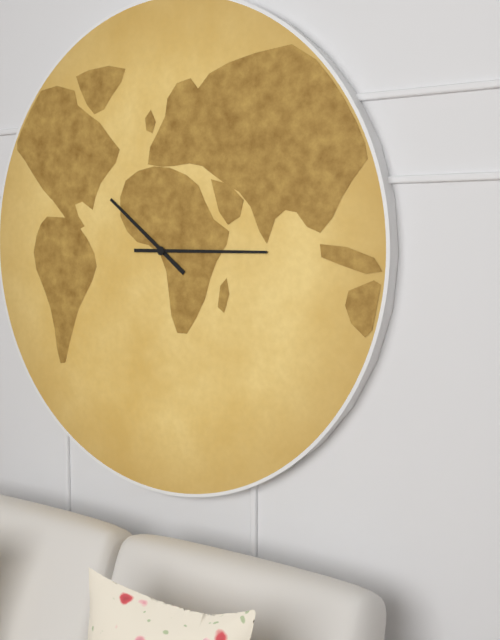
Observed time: 10:15
